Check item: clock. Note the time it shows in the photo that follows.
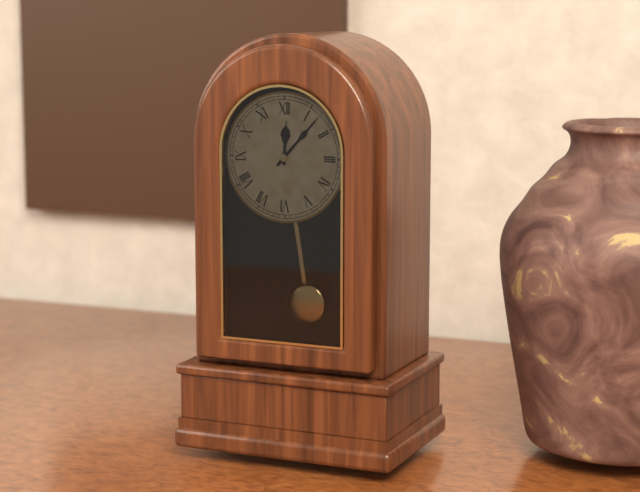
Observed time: 12:07
